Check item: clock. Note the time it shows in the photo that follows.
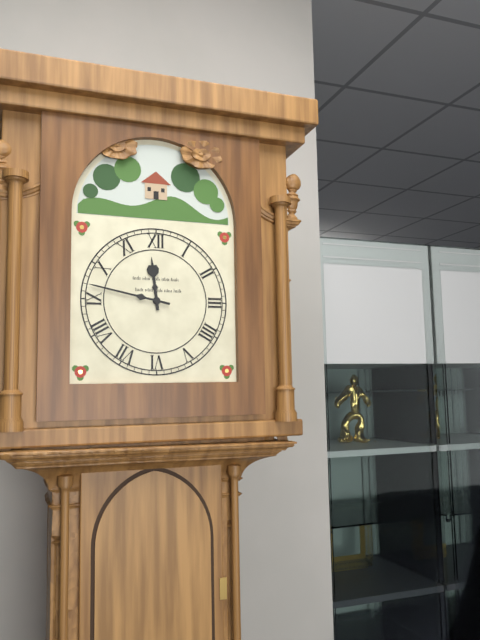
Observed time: 11:47
